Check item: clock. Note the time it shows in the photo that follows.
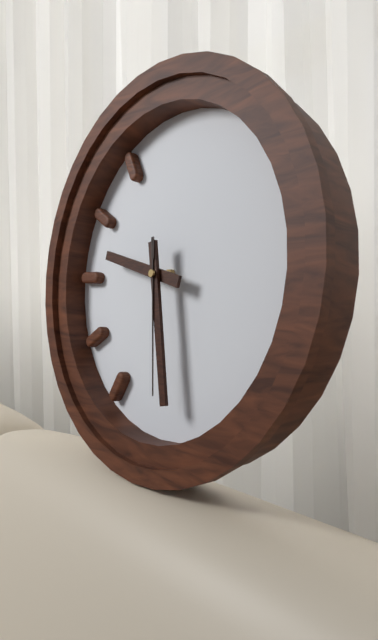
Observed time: 9:28:29
